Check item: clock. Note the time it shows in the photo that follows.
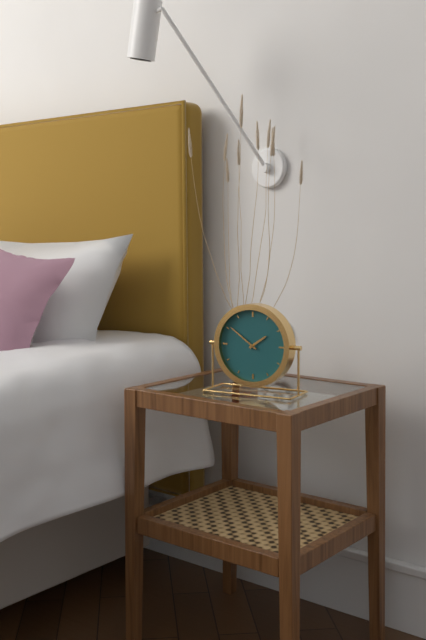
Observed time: 1:51
